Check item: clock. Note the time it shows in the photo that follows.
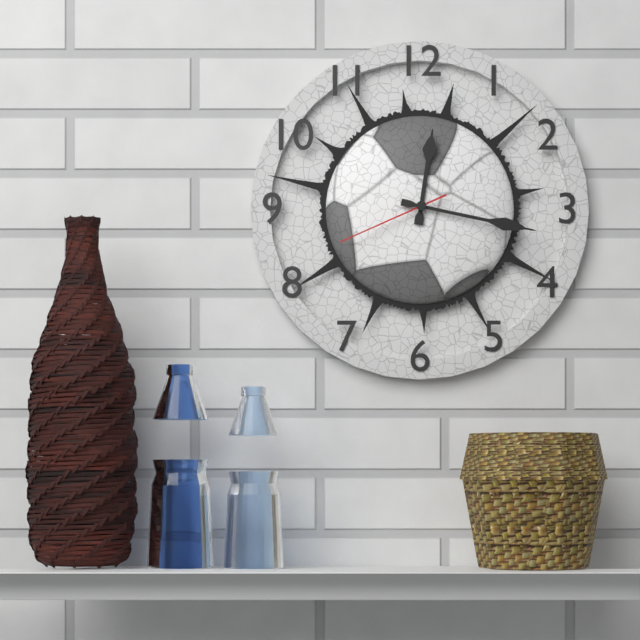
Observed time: 12:17:41
